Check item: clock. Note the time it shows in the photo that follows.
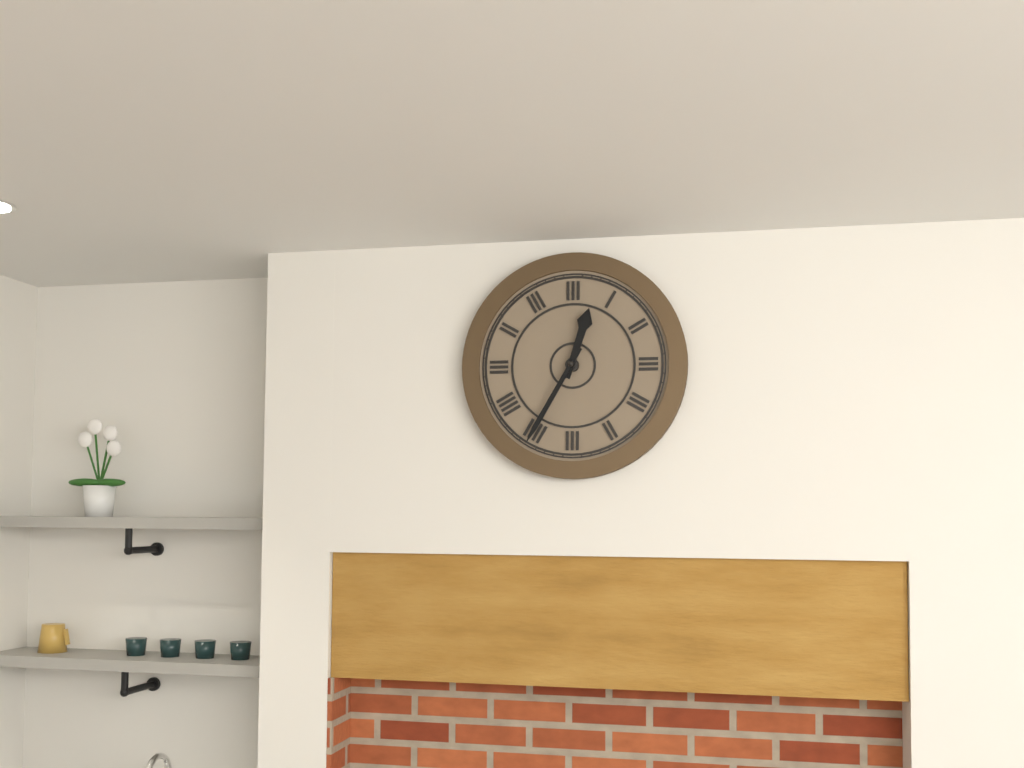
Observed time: 12:35
